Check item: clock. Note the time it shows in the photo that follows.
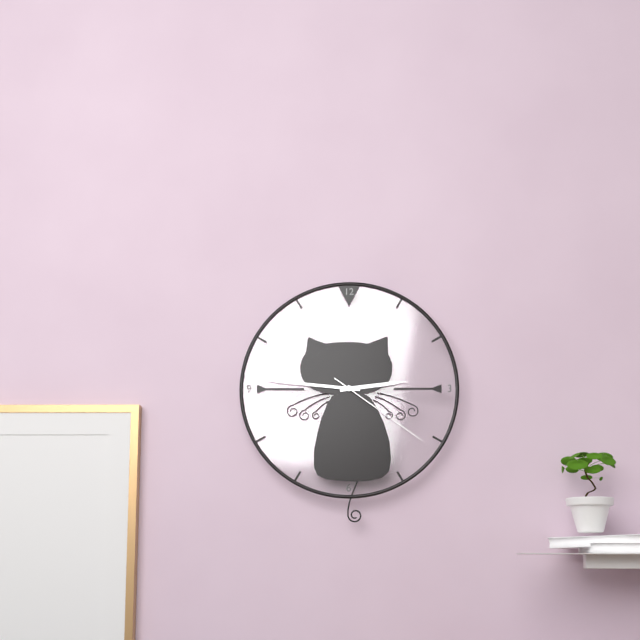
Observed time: 2:46:21
